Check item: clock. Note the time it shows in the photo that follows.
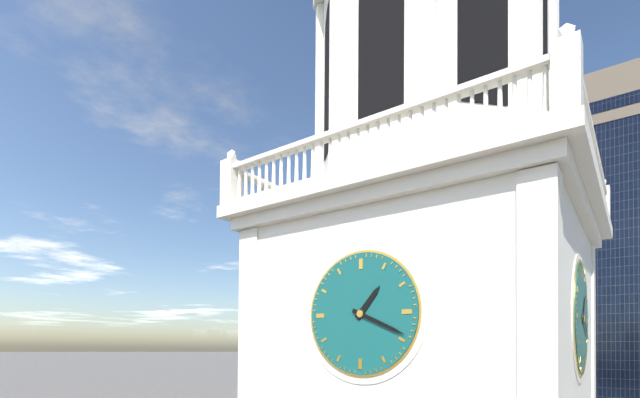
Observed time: 1:19
